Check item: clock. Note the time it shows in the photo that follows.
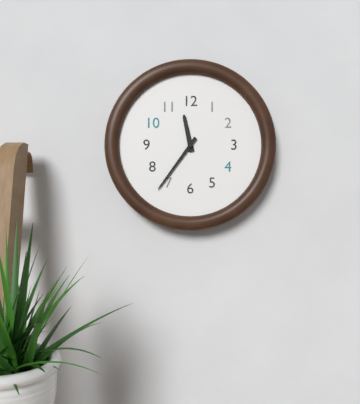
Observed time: 11:36
